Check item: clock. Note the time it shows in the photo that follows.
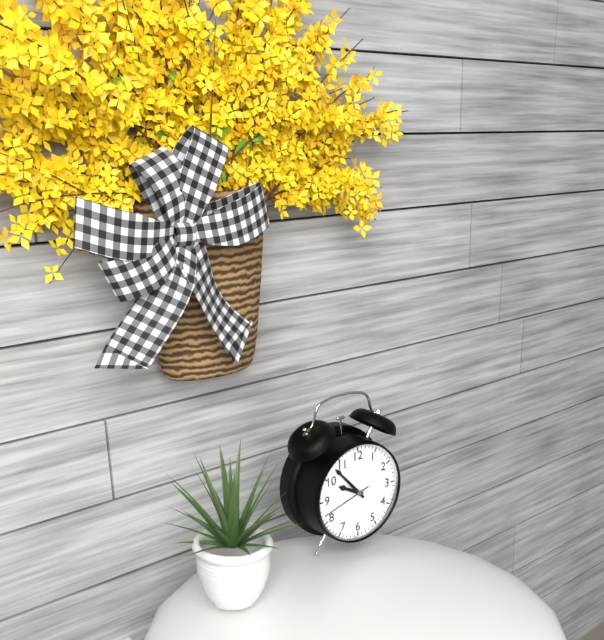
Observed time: 9:53:42
